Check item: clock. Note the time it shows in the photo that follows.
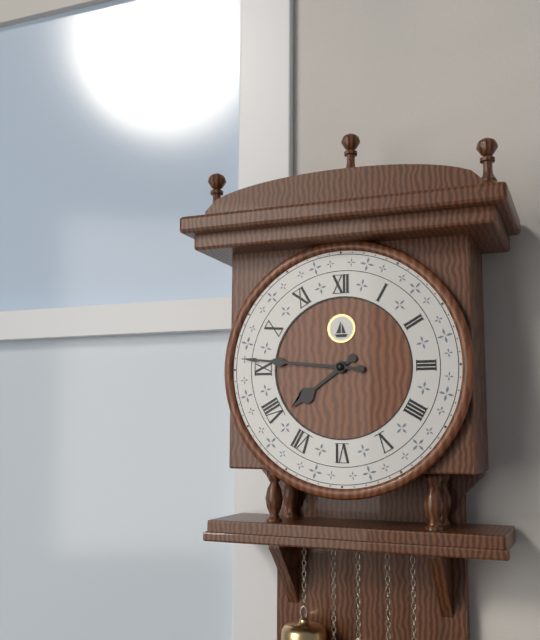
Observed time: 7:46
